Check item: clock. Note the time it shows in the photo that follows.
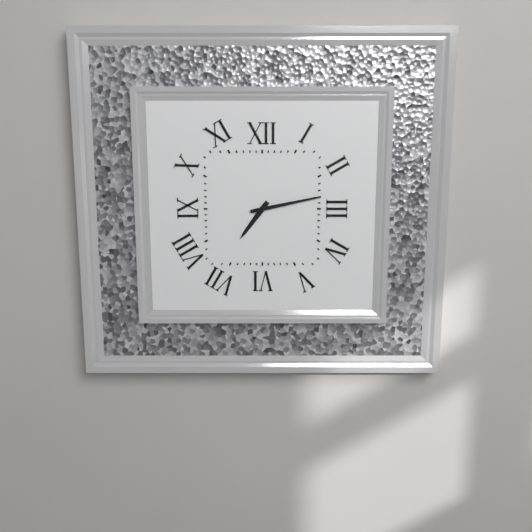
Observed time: 7:13
